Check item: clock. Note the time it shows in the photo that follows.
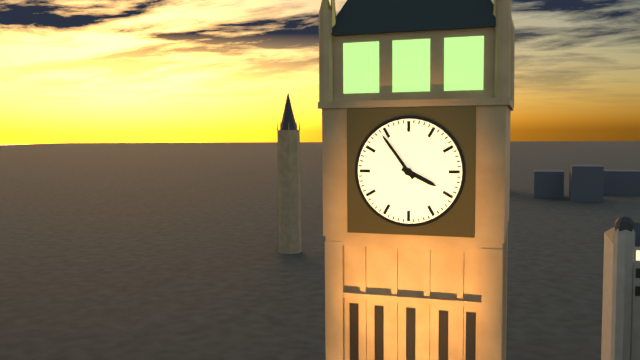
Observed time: 3:54
